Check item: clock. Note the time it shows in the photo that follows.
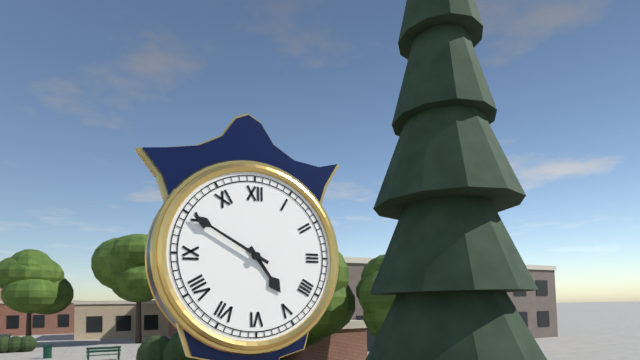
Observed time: 4:50
